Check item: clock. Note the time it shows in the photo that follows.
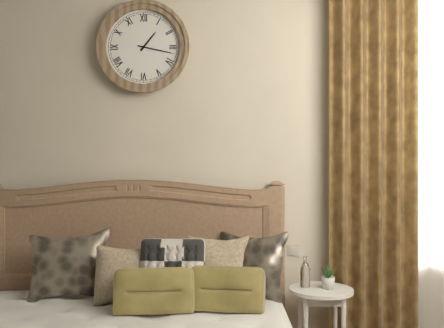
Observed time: 1:17
